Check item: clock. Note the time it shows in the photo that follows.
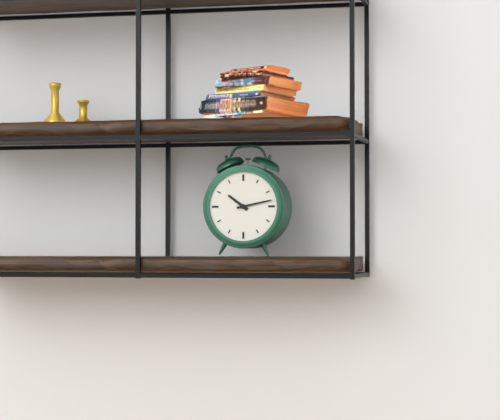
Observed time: 10:13
